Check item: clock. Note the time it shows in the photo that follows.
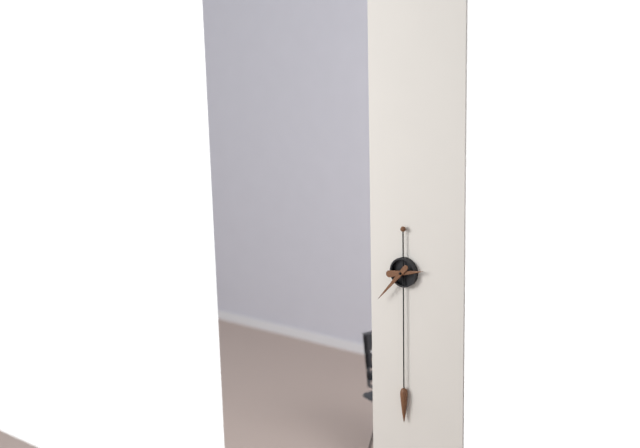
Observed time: 2:37
